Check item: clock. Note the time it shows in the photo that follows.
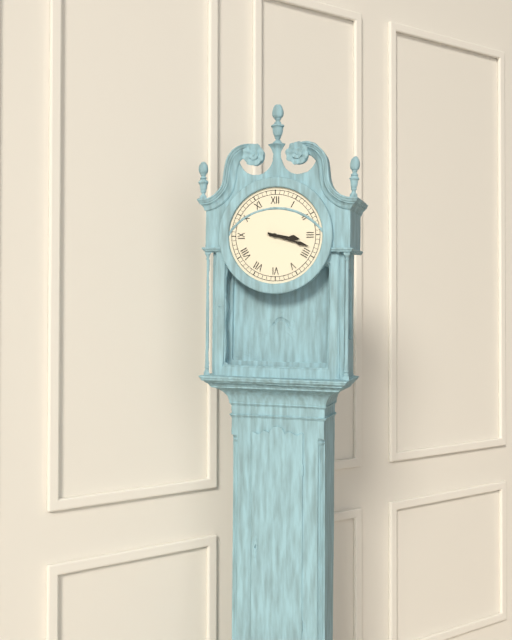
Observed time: 3:18
